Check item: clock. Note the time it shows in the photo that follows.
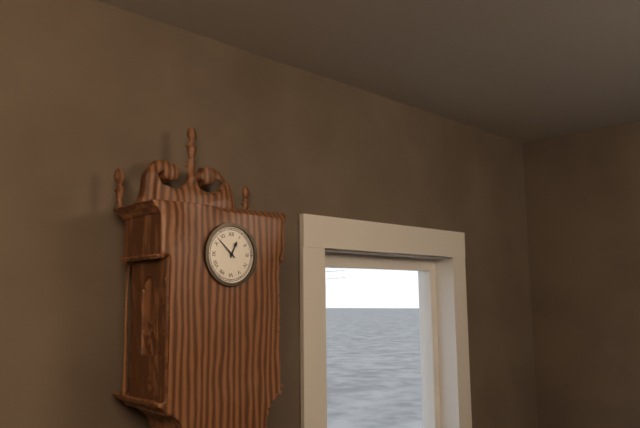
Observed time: 12:52
